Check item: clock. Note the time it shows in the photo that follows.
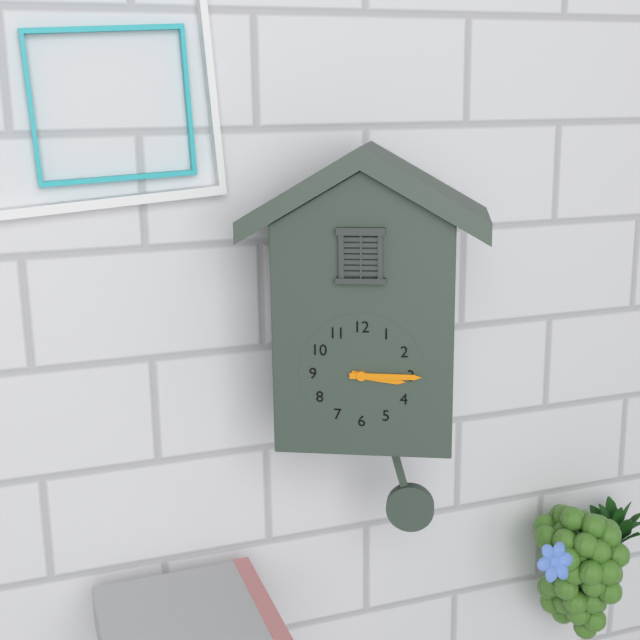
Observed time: 3:15
